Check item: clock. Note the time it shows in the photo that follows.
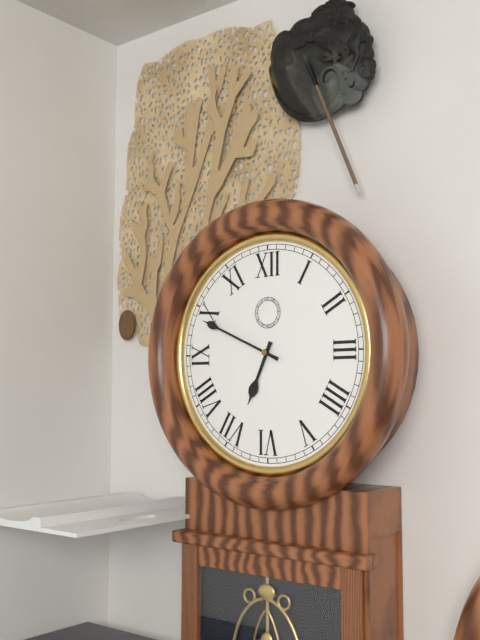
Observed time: 6:49
